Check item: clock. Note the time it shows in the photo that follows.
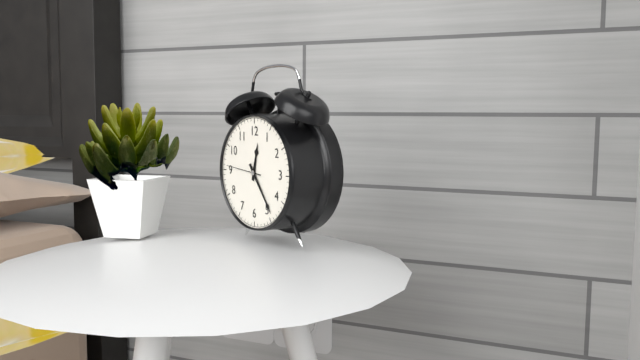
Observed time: 12:24
